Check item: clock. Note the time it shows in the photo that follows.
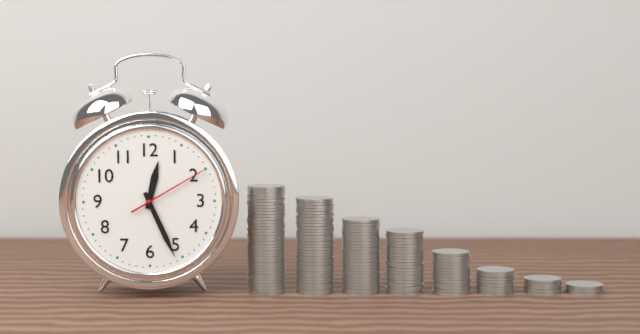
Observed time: 12:26:10
